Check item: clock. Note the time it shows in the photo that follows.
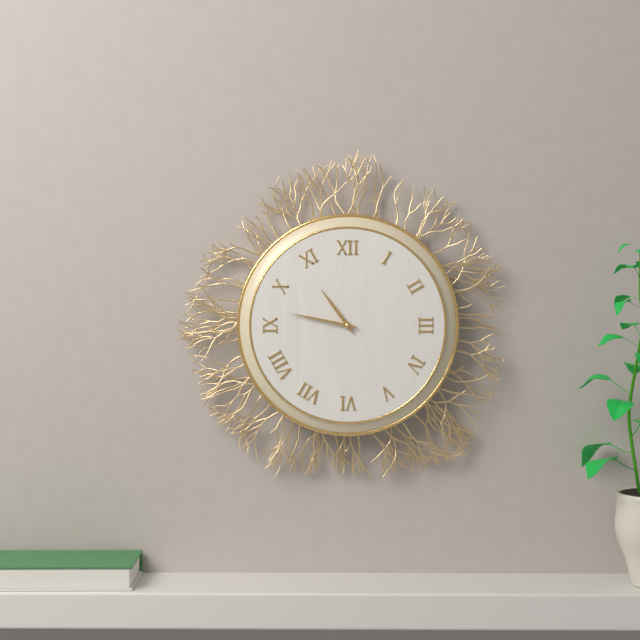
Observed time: 10:47
